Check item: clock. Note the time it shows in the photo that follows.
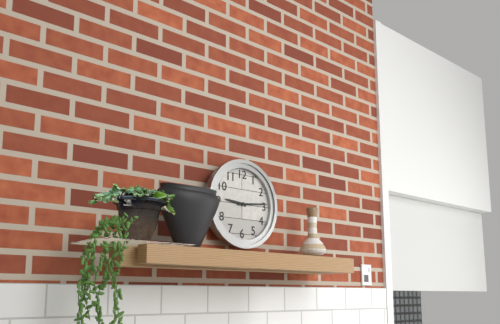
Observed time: 9:14
